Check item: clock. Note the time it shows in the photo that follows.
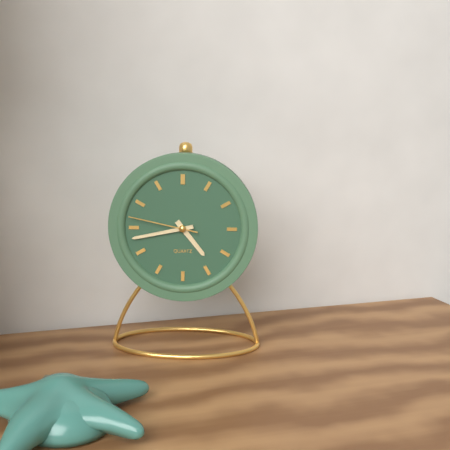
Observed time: 4:43:47
